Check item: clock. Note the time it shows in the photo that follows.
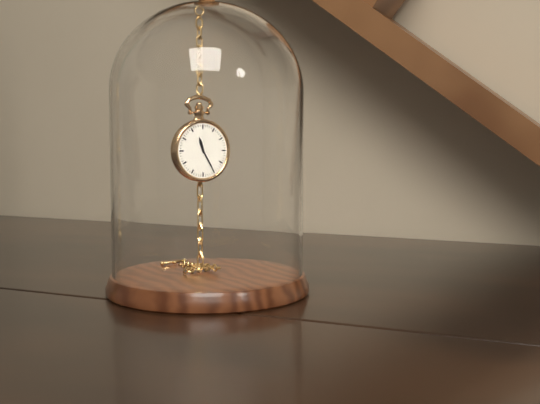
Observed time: 11:25
